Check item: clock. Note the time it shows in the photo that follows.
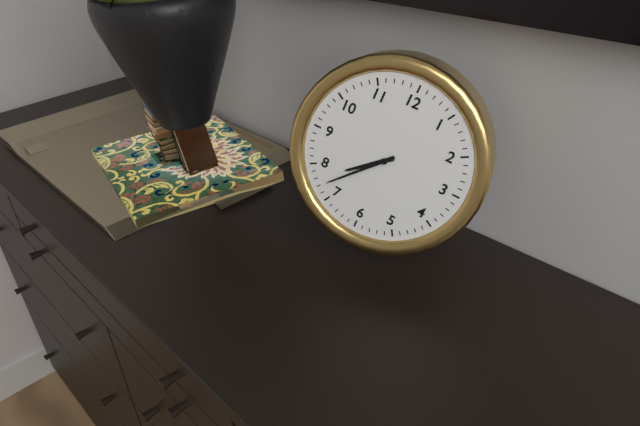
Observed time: 7:37
